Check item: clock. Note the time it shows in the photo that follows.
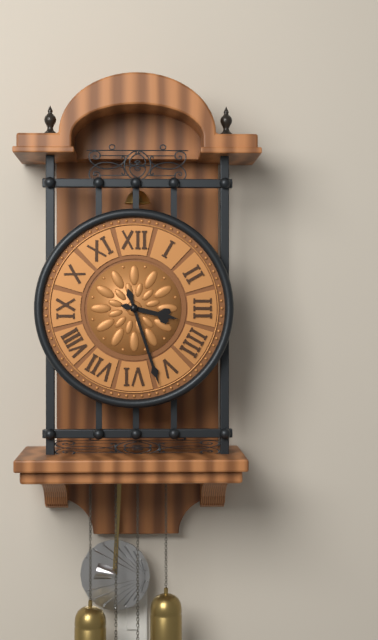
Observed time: 3:27
